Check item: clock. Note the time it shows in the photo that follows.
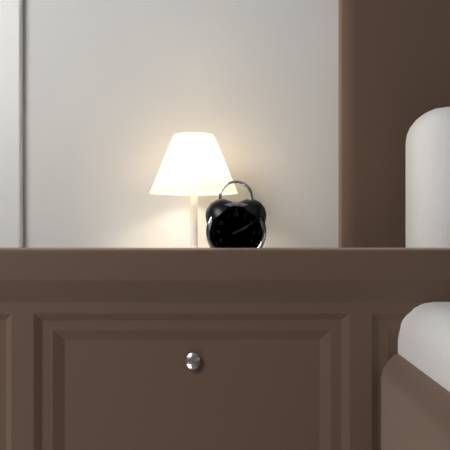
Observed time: 2:10
